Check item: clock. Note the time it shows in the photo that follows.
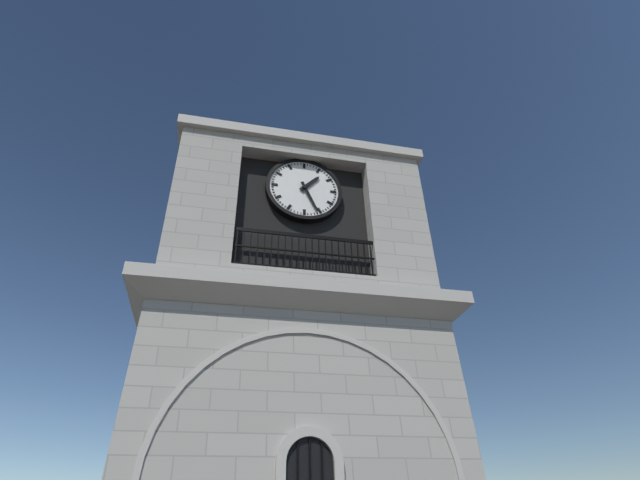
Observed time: 1:26
